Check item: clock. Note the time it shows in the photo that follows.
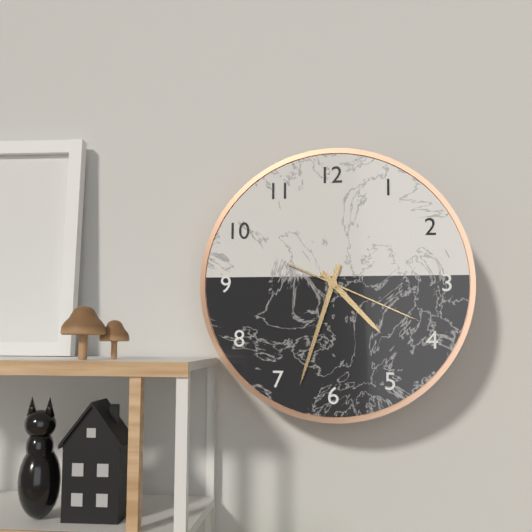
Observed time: 4:33:19
